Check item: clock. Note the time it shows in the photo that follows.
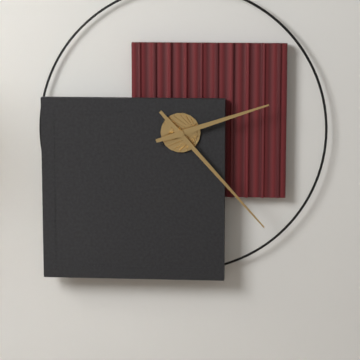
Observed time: 2:23
